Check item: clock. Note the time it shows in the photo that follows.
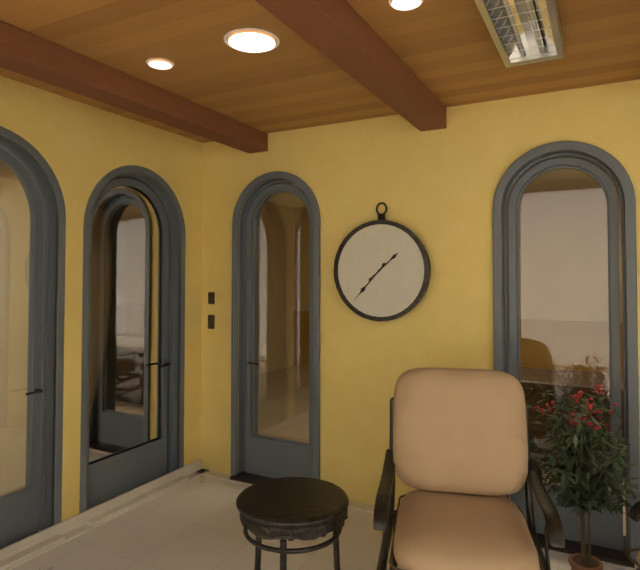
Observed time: 1:37
